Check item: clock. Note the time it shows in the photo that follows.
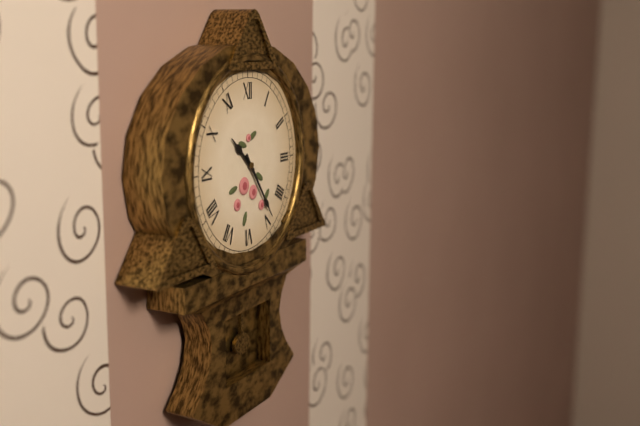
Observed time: 10:24
